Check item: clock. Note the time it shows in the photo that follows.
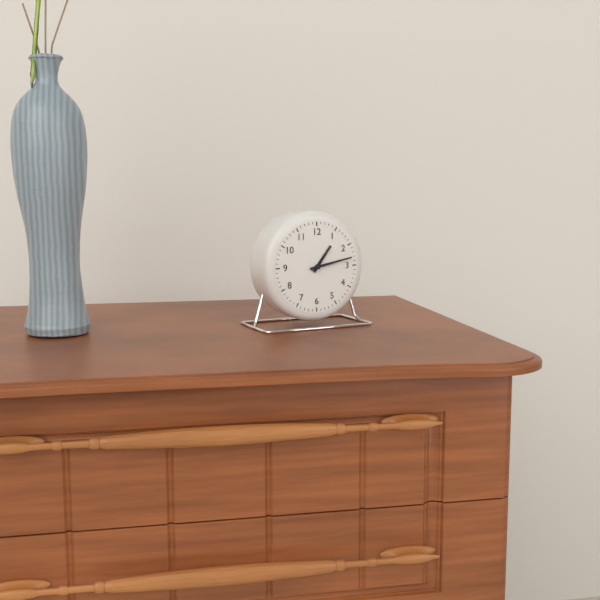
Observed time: 1:13
